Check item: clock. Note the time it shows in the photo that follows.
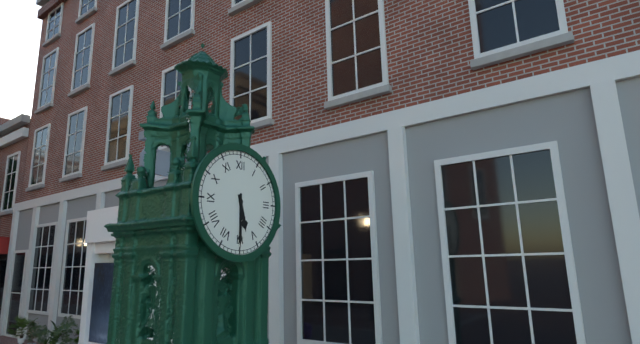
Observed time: 5:30
